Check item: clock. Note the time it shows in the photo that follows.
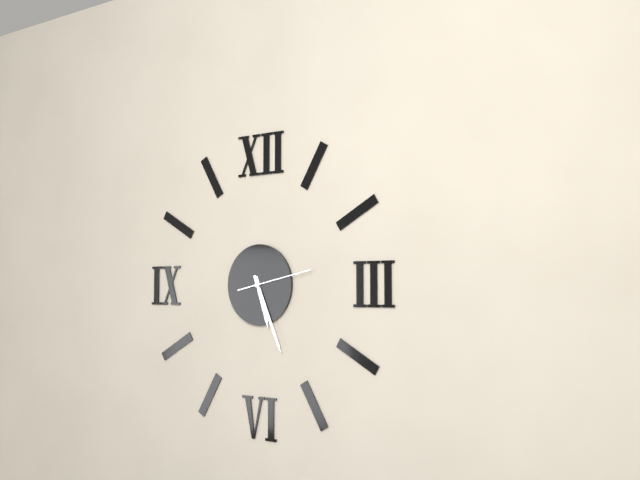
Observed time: 5:26:13
